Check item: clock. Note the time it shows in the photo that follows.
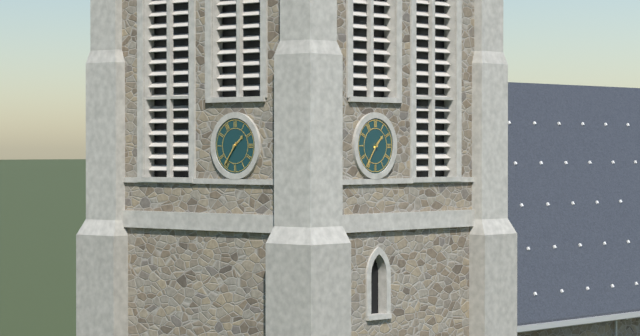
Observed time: 1:36
